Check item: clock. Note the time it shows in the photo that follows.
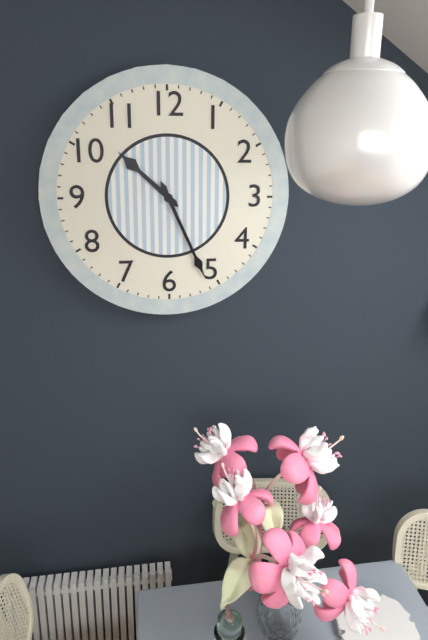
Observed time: 10:26
